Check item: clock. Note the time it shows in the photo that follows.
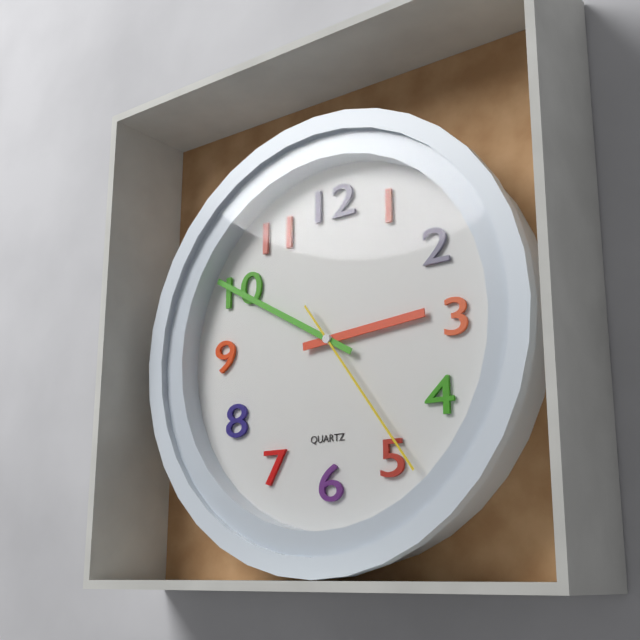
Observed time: 2:50:24
